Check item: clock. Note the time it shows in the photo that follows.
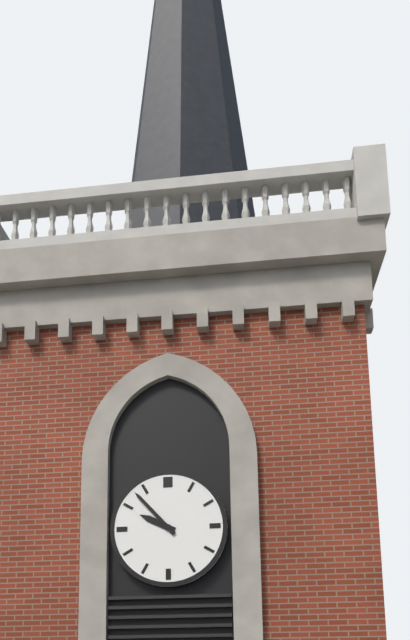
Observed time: 9:53
